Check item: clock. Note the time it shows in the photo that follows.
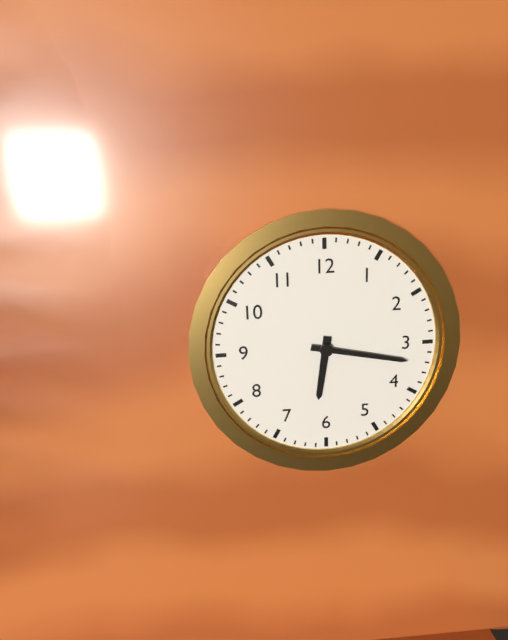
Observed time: 6:17
